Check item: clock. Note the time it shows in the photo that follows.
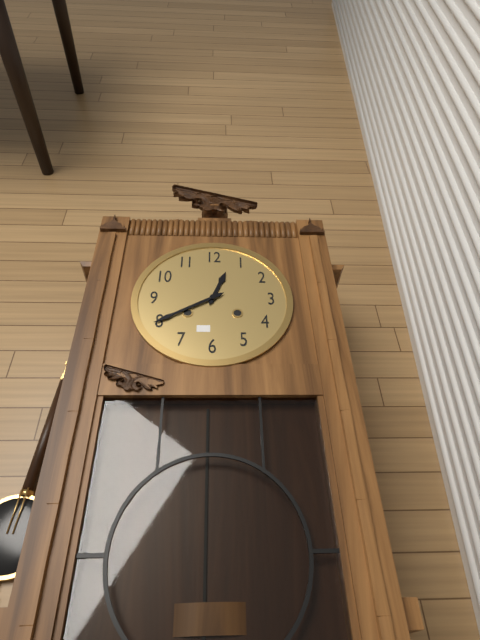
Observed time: 12:40
